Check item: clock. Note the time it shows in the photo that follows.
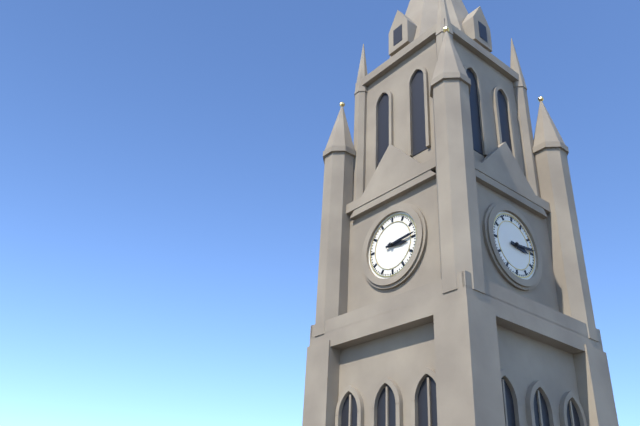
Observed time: 3:14
